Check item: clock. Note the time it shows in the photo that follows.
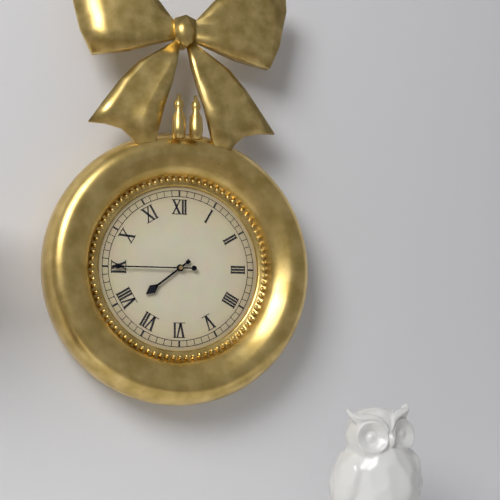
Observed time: 7:45
